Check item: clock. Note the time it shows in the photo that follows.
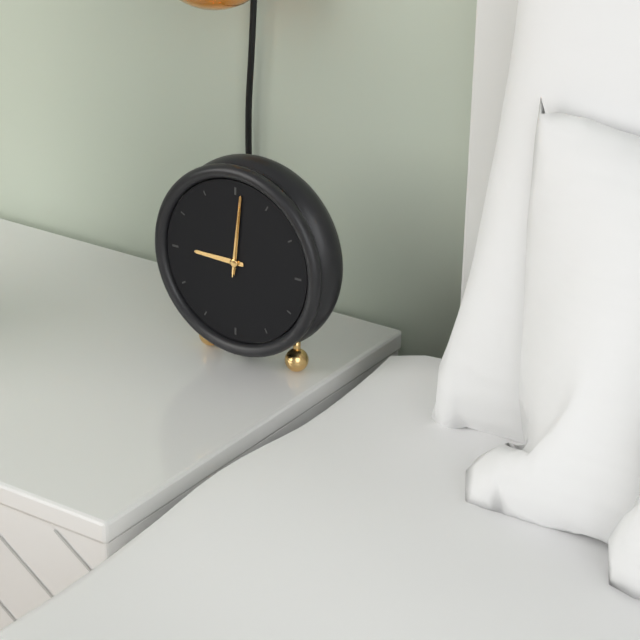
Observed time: 9:01:01
